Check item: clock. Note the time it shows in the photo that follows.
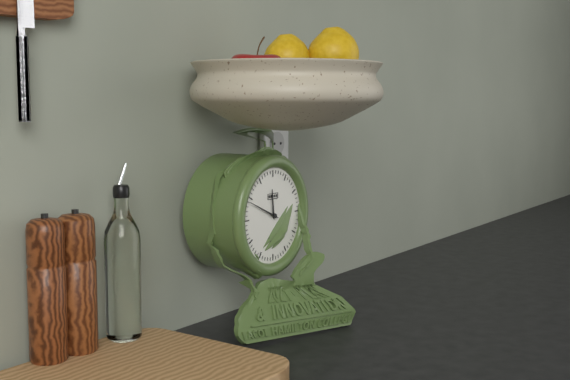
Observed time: 11:49
